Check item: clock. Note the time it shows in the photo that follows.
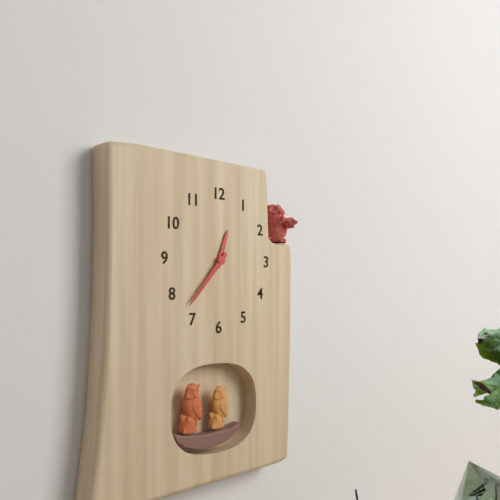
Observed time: 12:37
